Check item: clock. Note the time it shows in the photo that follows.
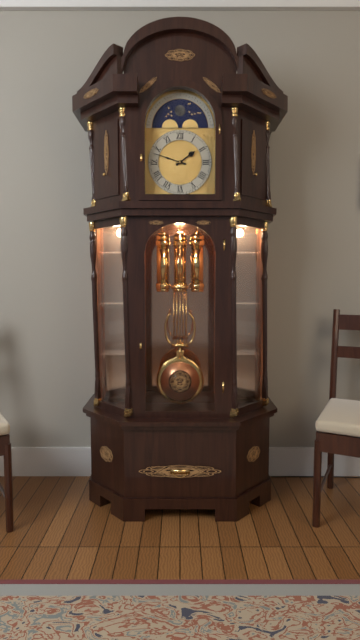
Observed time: 1:48
